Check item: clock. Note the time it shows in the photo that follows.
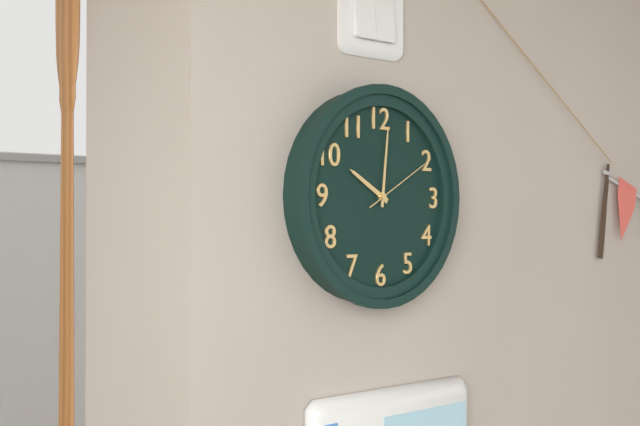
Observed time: 10:01:10
